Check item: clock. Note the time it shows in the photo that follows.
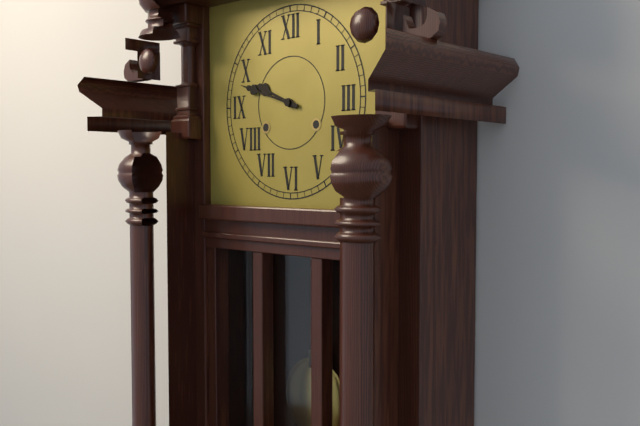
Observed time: 9:48
